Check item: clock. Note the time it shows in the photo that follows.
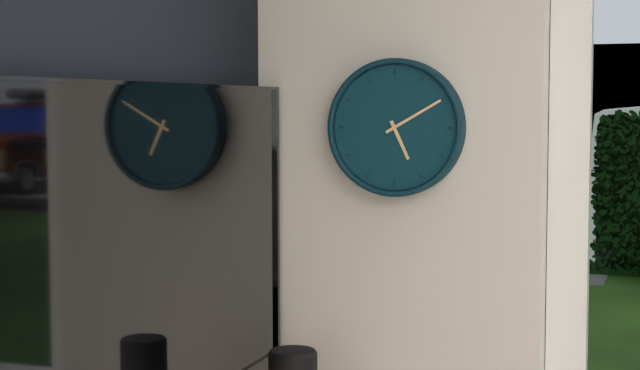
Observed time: 5:10
